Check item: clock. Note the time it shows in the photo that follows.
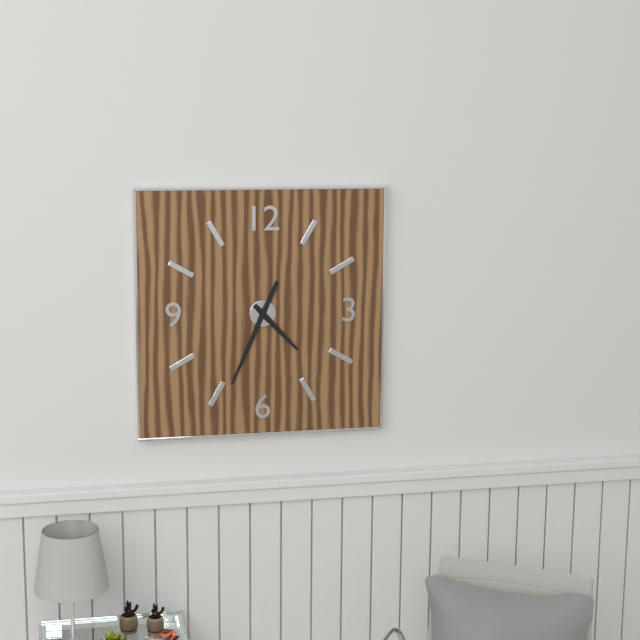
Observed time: 4:34
